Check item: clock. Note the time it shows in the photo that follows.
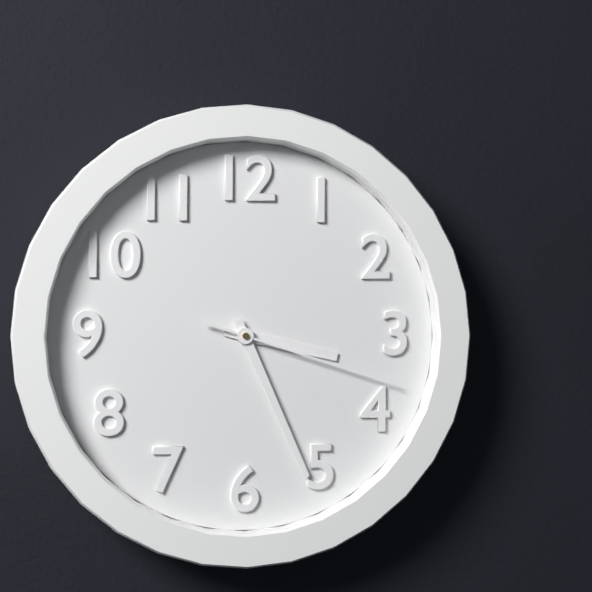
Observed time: 3:26:18
